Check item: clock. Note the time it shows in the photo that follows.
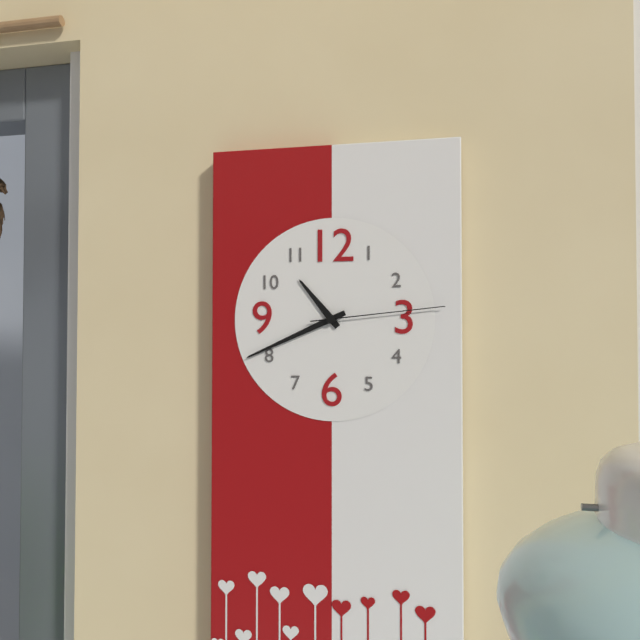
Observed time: 10:41:14
